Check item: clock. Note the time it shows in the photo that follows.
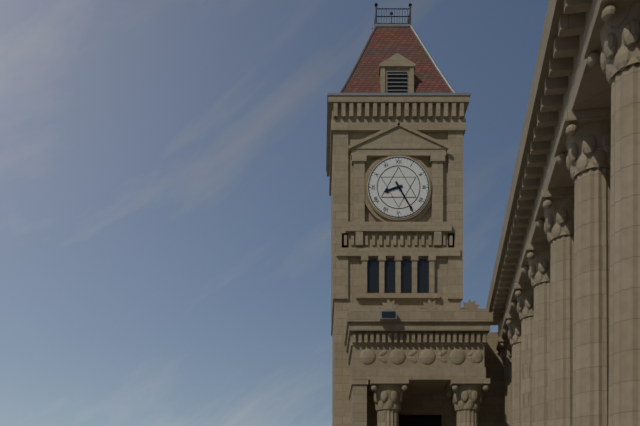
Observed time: 8:25
